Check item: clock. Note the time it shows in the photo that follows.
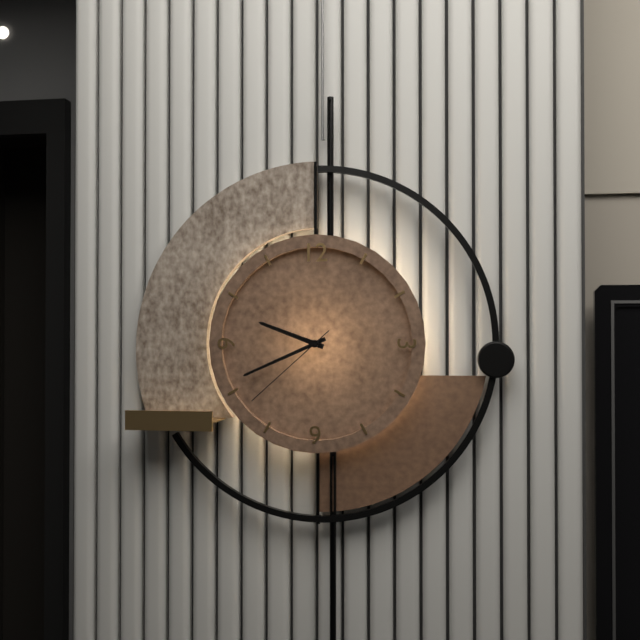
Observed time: 9:41:38
